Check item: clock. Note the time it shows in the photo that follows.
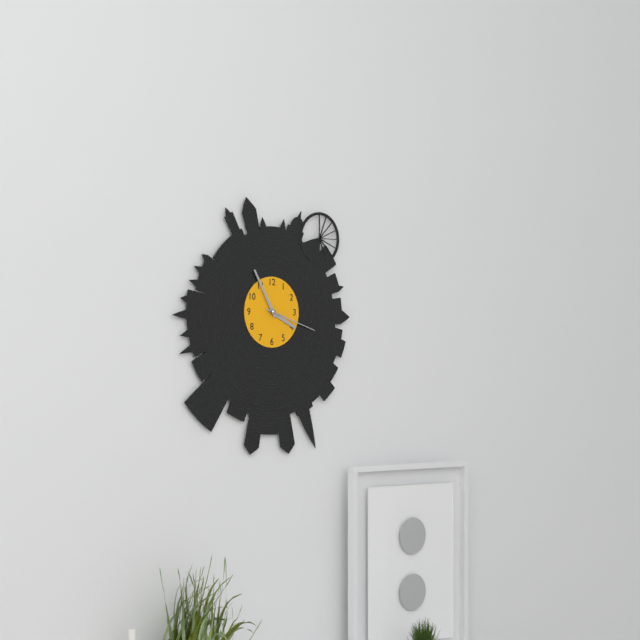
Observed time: 3:55:18
